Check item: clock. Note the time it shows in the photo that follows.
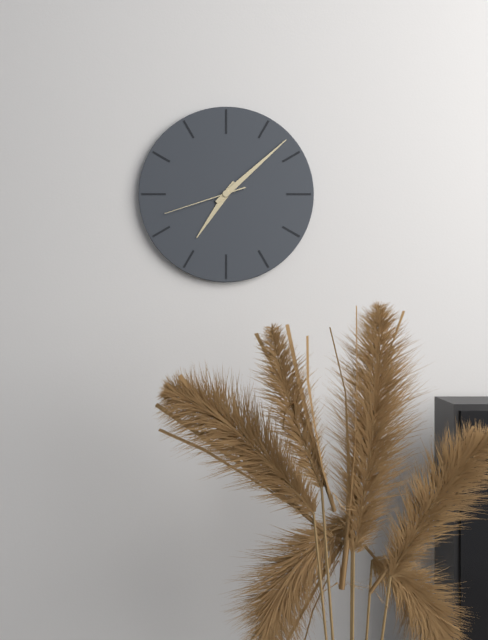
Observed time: 7:08:42
